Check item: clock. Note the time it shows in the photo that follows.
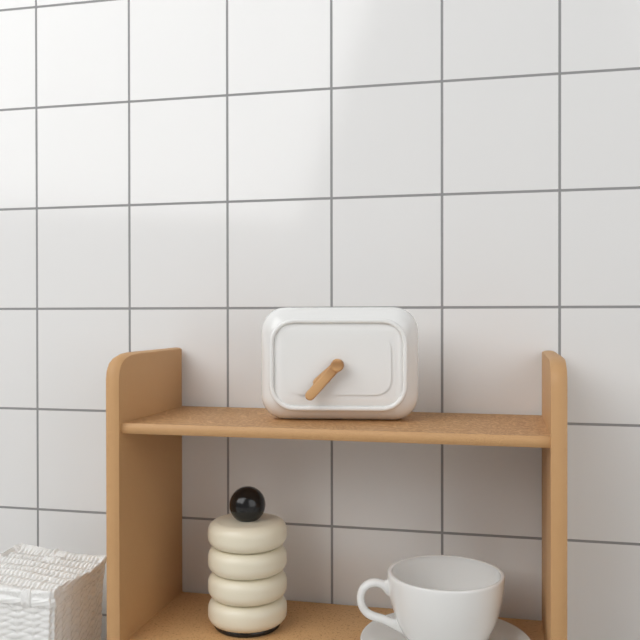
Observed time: 7:37
